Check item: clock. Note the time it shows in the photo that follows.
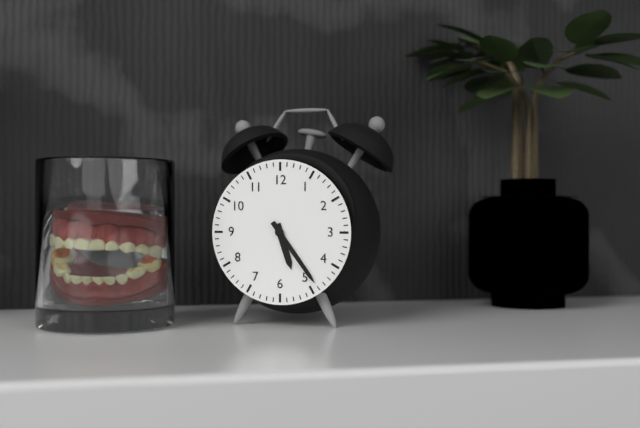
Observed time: 5:24
